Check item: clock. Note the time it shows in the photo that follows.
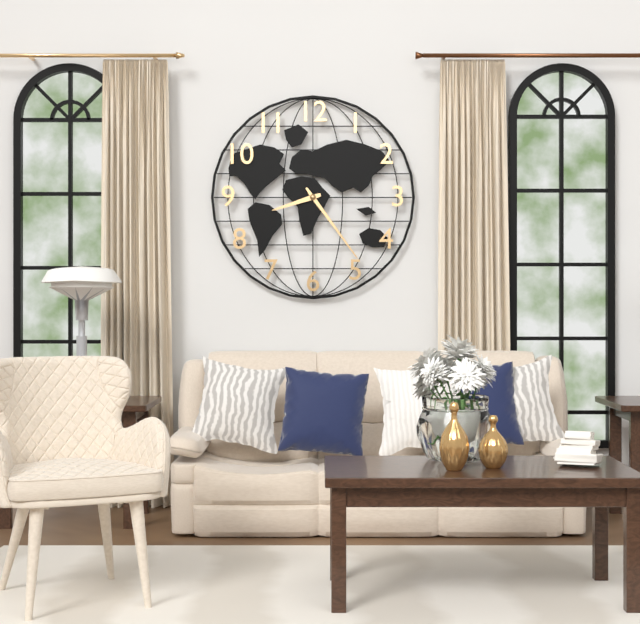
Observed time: 8:24
